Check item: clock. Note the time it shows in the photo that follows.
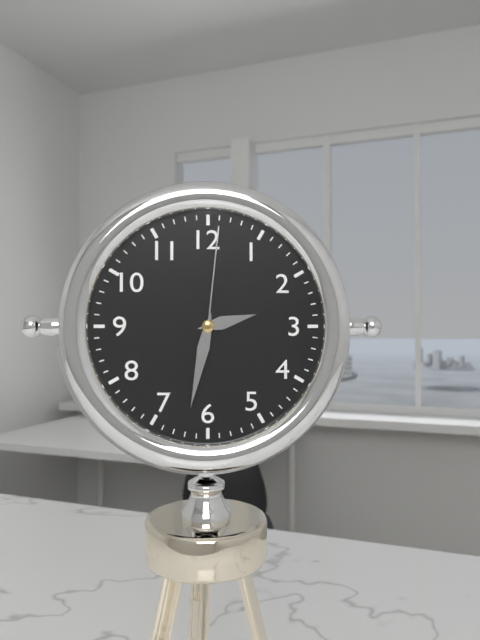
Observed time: 2:32:01
